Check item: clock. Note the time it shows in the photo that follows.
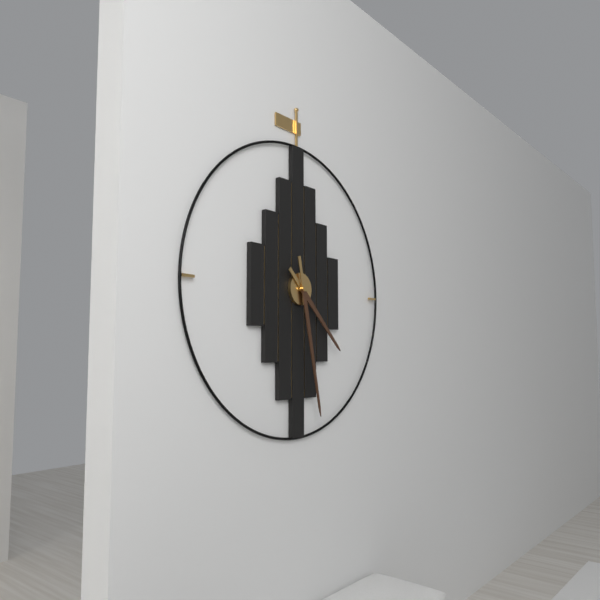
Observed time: 4:28
